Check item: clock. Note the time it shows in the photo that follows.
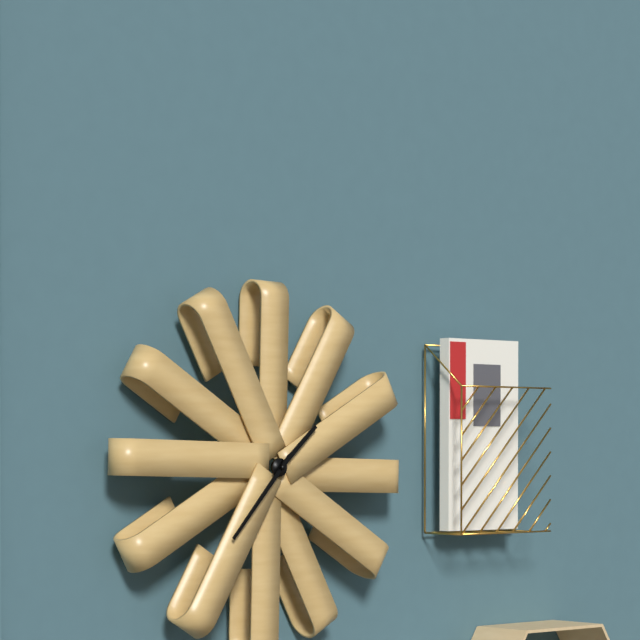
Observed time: 1:37
